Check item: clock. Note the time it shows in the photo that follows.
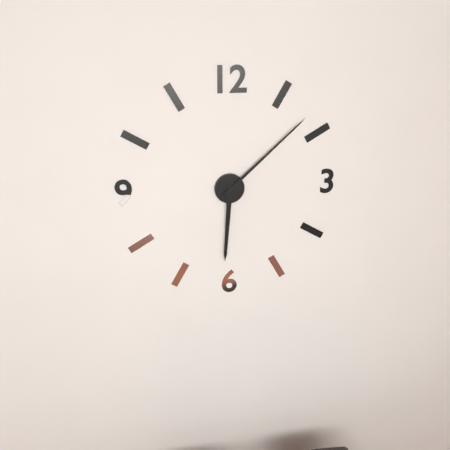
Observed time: 6:08
